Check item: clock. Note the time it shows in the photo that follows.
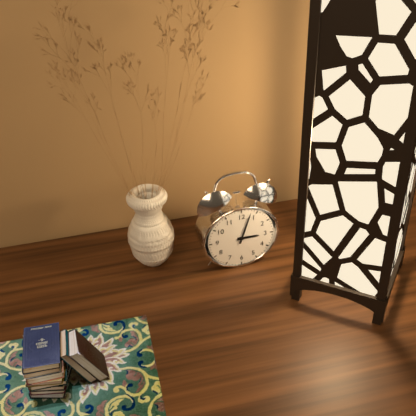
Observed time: 3:03
